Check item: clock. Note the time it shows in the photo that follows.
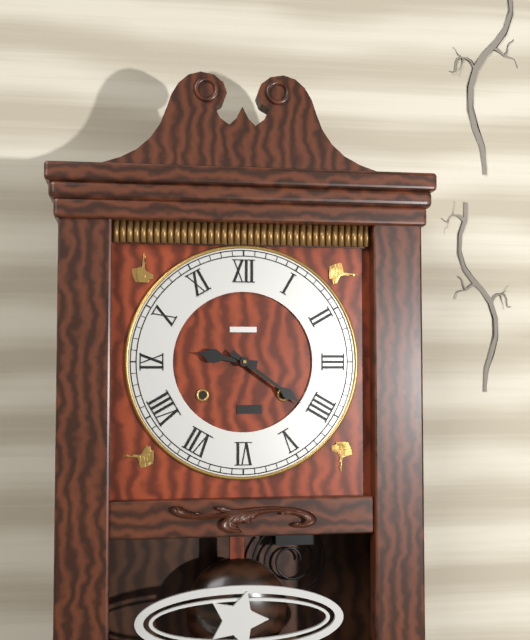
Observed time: 9:21
